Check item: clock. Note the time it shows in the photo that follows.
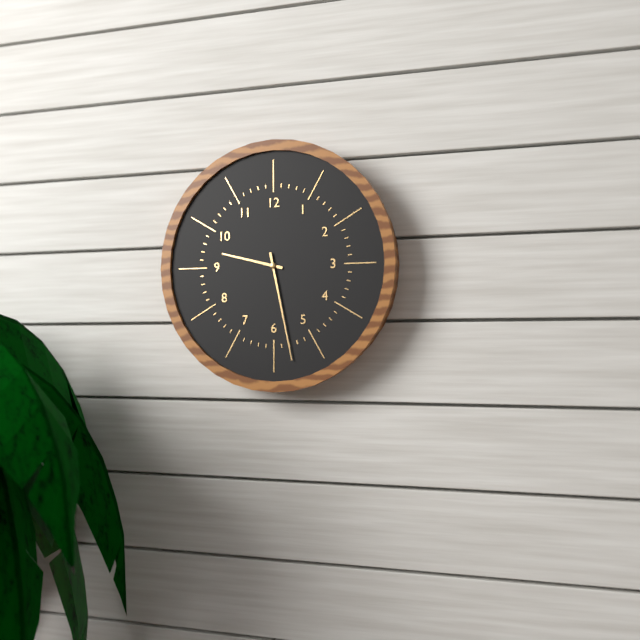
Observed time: 9:28
